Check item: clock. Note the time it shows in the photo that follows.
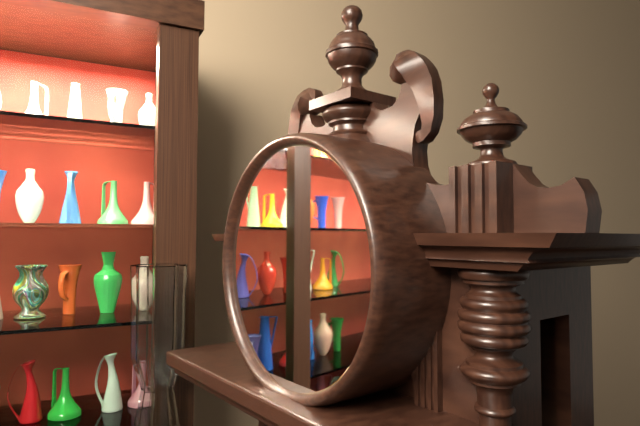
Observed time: 10:19
